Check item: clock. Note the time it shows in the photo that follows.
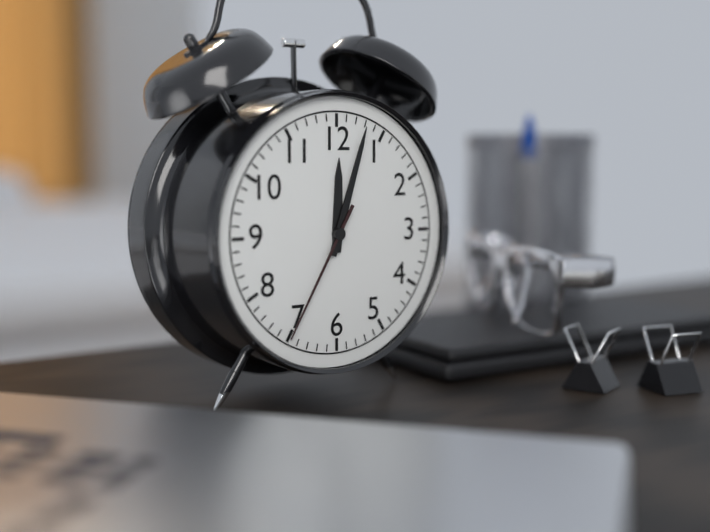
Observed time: 12:03:35
